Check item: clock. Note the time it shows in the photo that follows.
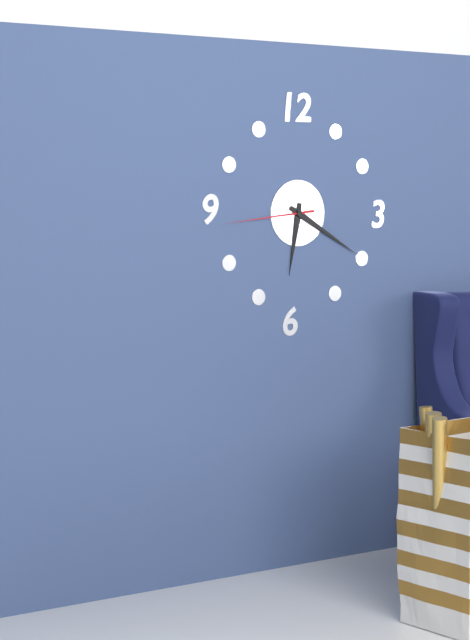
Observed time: 6:20:44
